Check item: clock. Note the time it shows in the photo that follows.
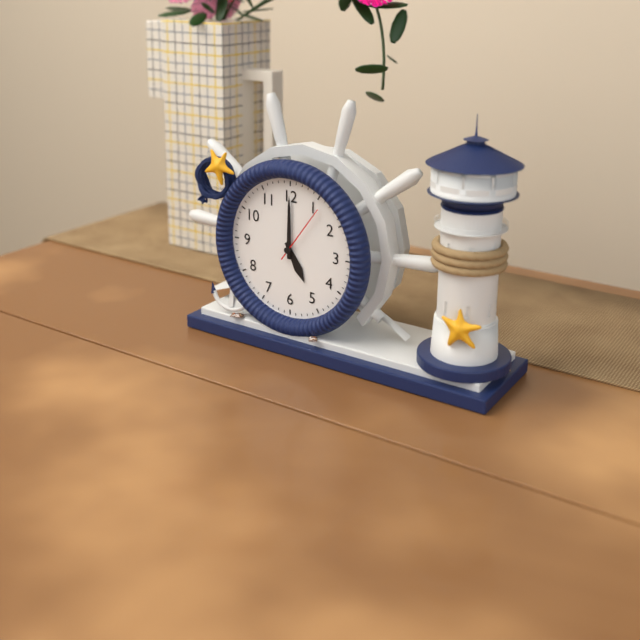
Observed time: 5:00:06
